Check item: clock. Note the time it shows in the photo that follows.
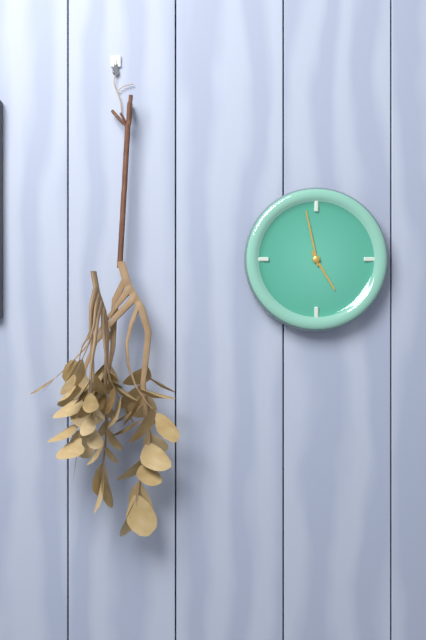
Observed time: 4:58
